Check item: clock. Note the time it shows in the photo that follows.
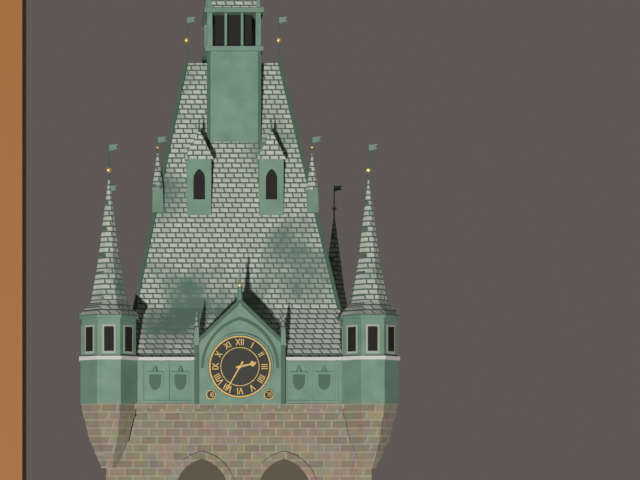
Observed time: 2:35
